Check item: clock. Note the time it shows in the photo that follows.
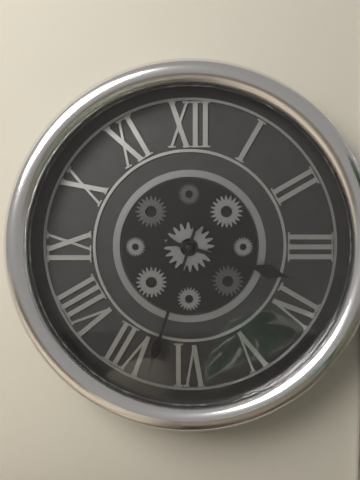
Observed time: 3:33
